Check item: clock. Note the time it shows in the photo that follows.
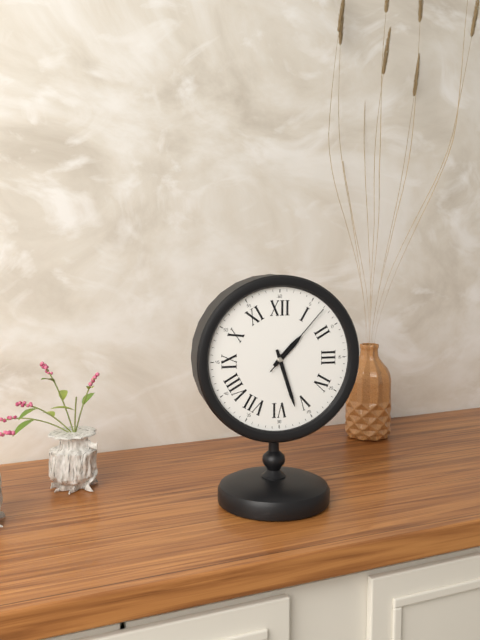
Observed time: 1:27:07
